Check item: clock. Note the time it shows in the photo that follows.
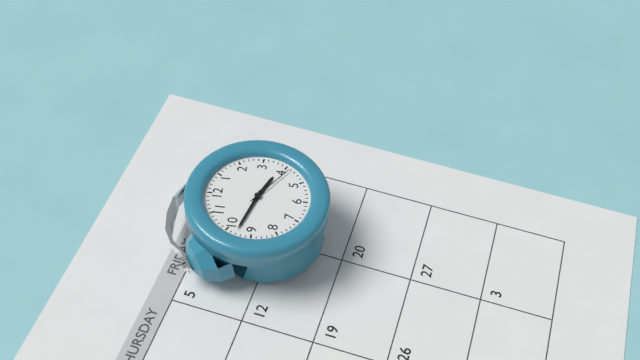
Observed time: 3:48:21
